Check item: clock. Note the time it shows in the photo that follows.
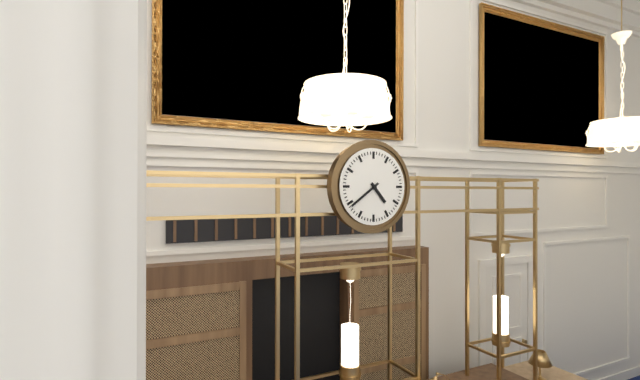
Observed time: 4:39
